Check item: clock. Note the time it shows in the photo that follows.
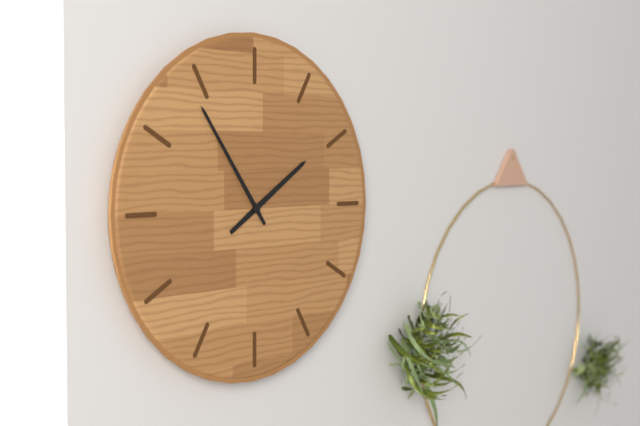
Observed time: 1:54
